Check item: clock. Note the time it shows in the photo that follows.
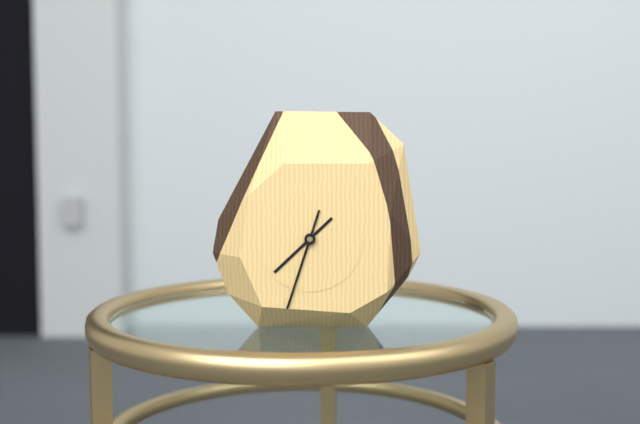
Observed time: 7:33
